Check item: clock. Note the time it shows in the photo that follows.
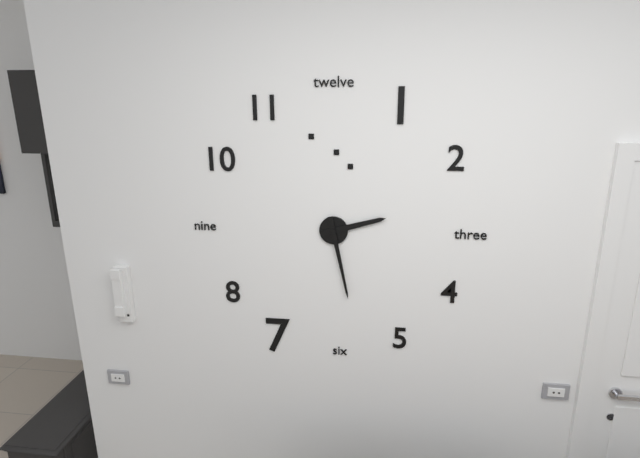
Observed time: 2:28
